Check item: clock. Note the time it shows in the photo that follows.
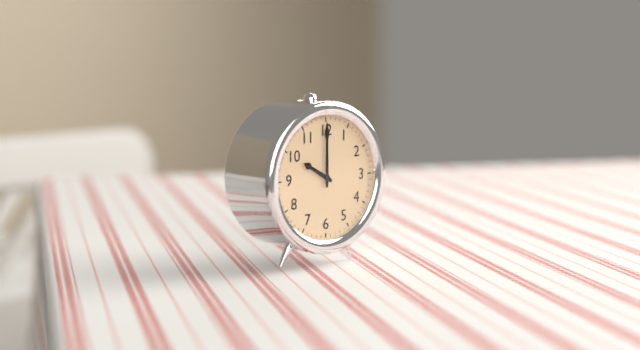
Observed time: 10:00
